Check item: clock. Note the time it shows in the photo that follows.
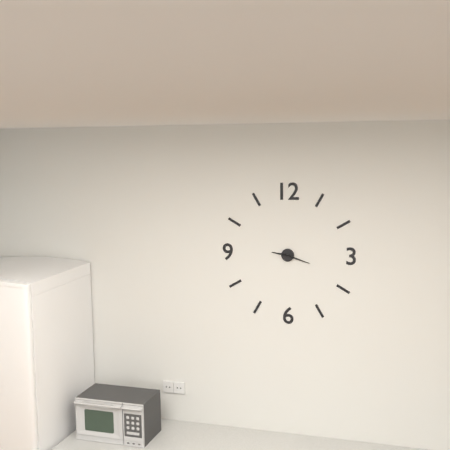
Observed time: 9:18
